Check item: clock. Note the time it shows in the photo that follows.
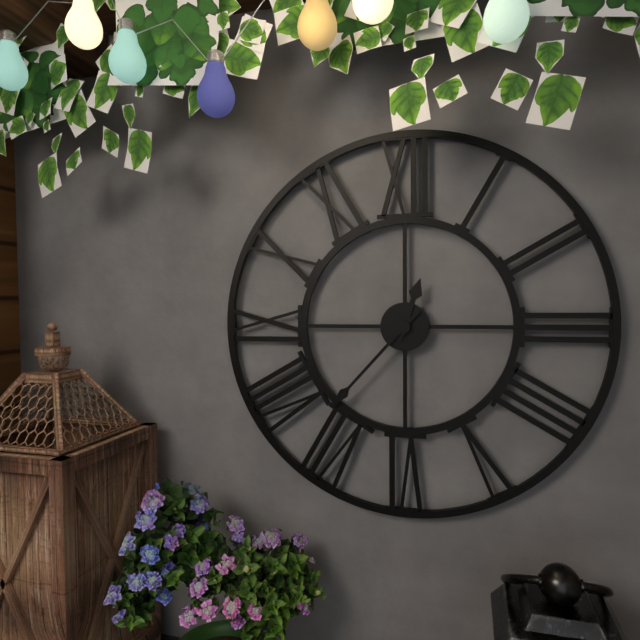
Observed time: 12:37
